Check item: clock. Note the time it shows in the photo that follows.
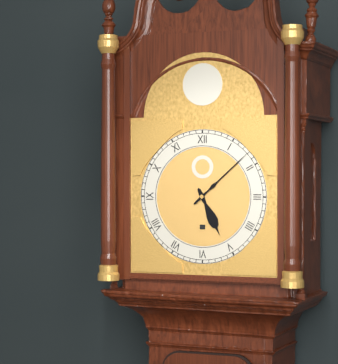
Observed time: 5:08
